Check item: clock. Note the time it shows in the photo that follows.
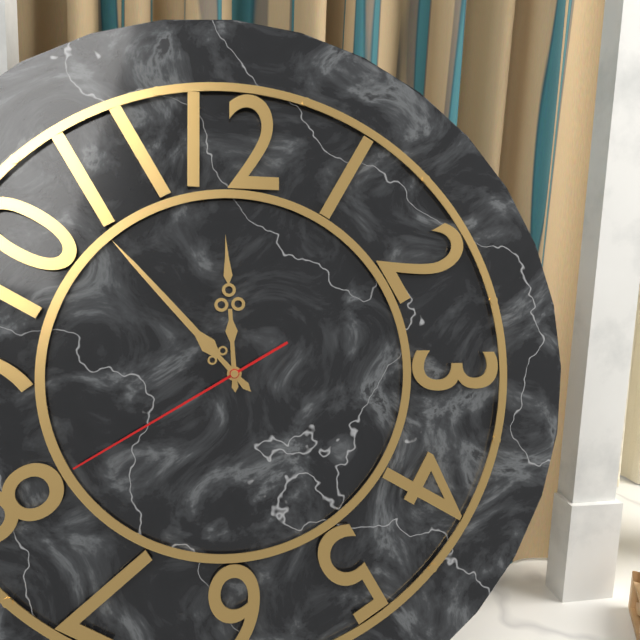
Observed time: 11:53:40
